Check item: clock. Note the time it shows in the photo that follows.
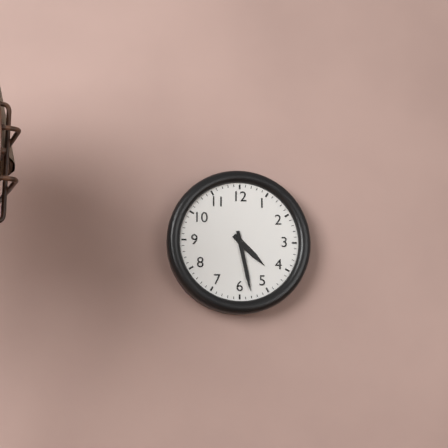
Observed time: 4:28
